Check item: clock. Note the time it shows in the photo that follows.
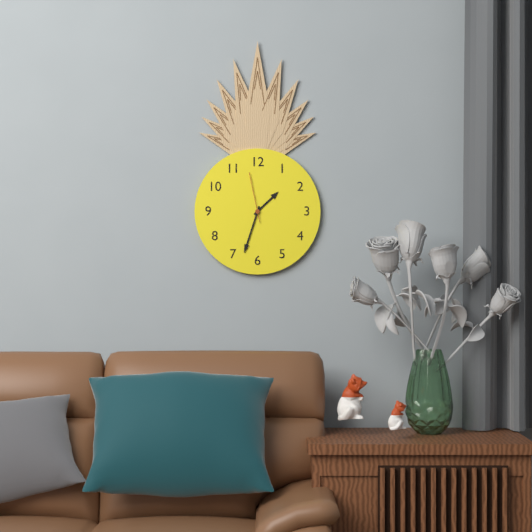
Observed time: 1:33:58
